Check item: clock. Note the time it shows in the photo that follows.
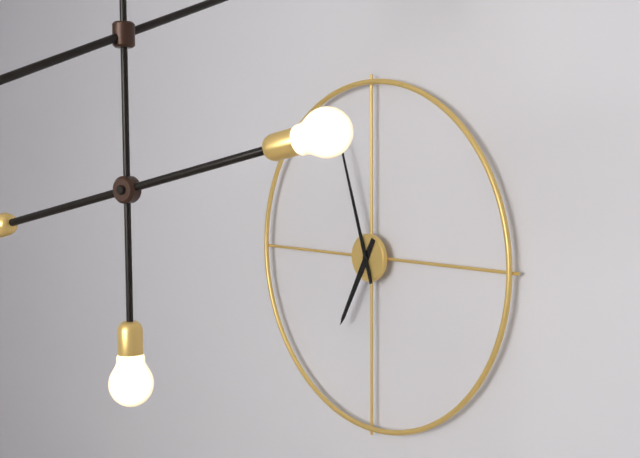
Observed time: 6:57
